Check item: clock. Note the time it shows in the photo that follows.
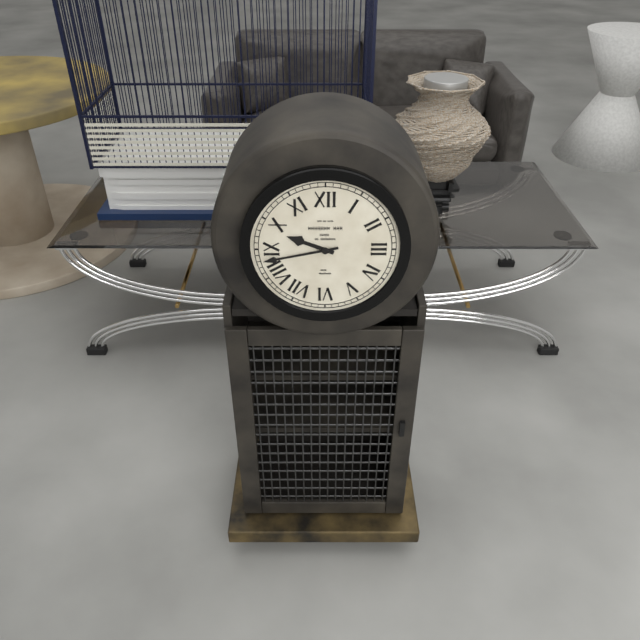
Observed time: 9:43
